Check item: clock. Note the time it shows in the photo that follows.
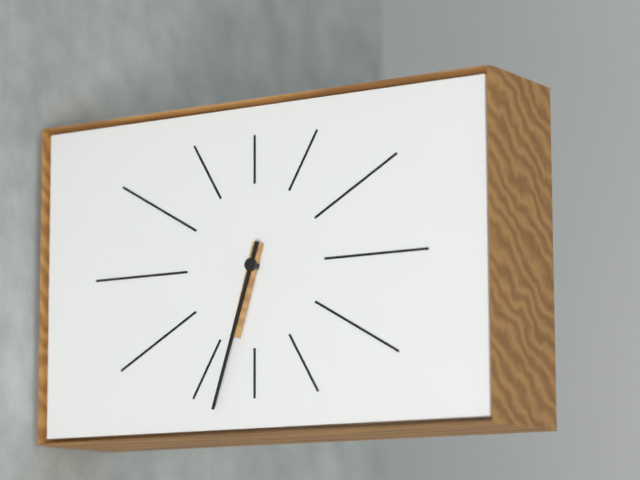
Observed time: 6:33
